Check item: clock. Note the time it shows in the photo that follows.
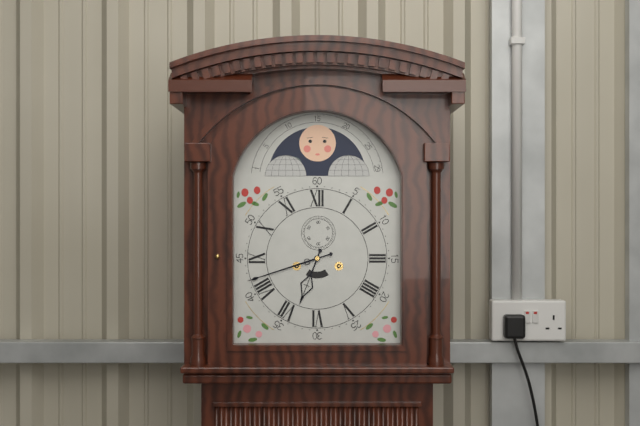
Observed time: 6:42
